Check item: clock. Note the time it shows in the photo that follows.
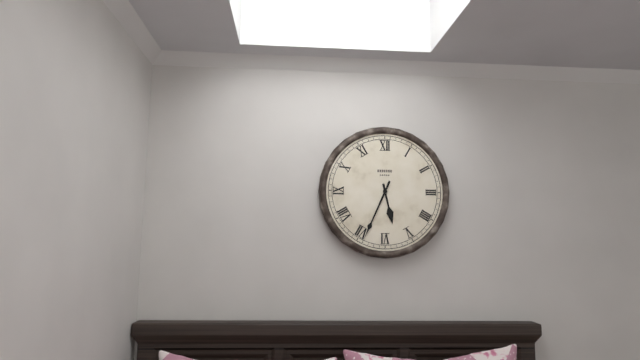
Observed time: 5:34
